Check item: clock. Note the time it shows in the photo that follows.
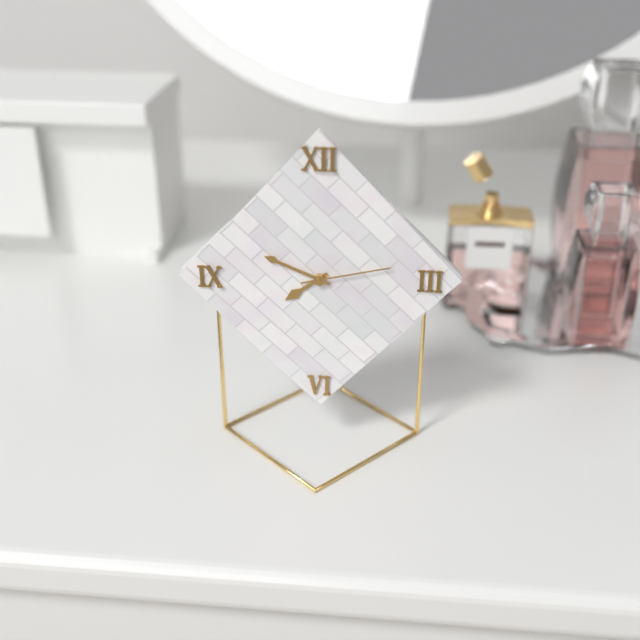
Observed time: 7:49:13
